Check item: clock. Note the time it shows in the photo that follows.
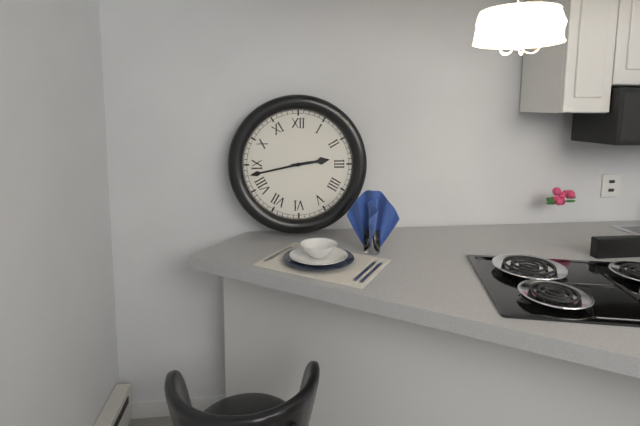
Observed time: 2:43
